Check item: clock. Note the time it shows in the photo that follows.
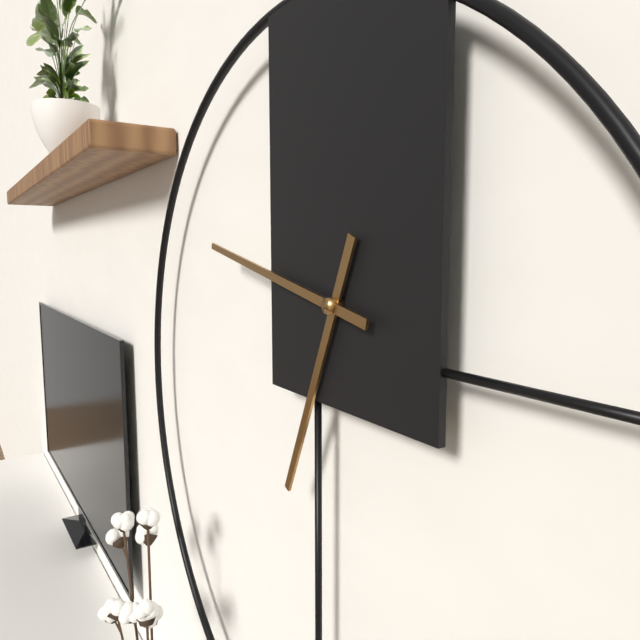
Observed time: 6:47
